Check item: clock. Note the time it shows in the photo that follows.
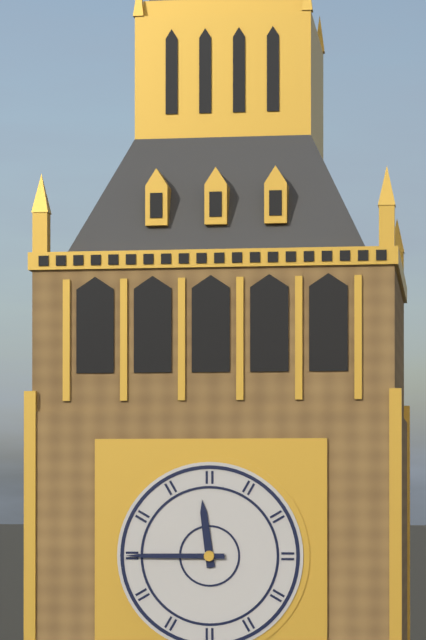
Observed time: 11:45
